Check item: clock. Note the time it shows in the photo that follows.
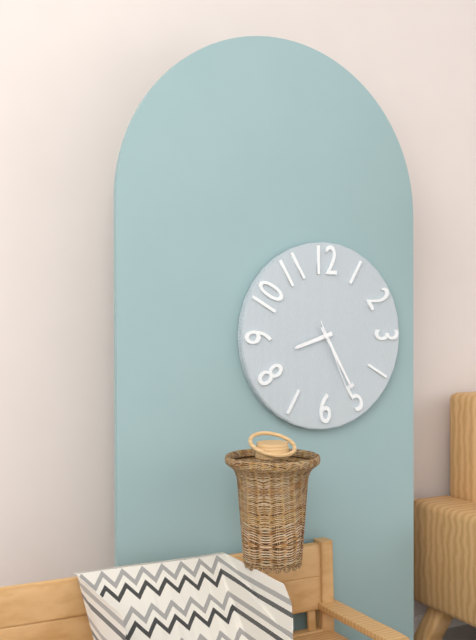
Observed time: 8:25:26
